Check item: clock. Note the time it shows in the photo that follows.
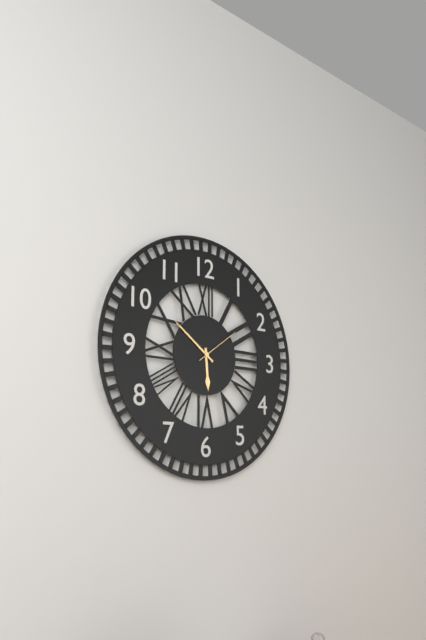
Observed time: 5:51:09
